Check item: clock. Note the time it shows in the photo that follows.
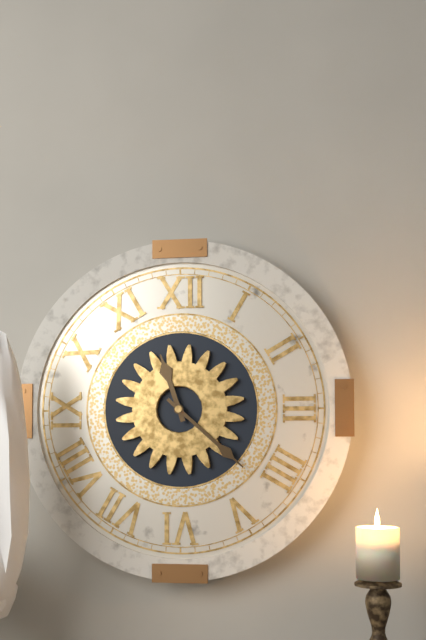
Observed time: 11:22
